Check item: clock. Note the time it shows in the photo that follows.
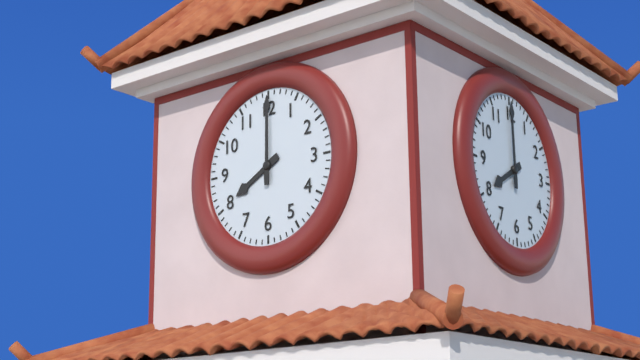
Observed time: 8:00
